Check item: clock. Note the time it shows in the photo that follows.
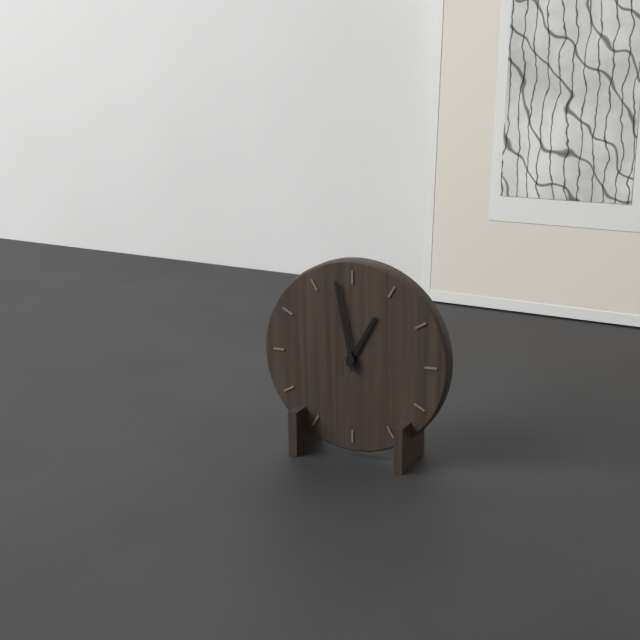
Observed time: 12:58
